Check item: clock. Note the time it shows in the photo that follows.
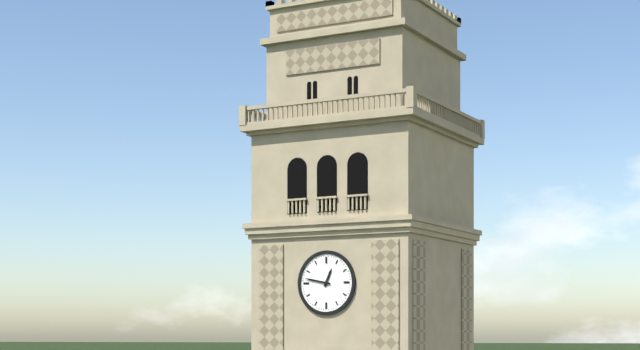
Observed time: 12:47
